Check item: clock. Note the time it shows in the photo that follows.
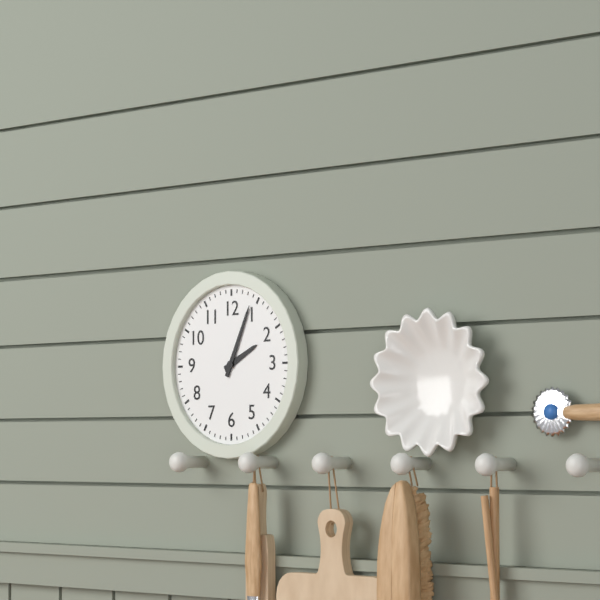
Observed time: 2:04
